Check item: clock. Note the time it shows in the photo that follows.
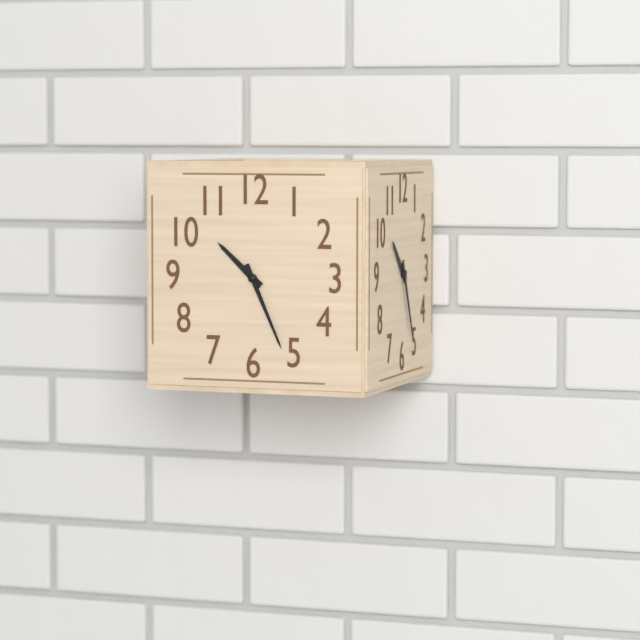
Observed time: 10:26
